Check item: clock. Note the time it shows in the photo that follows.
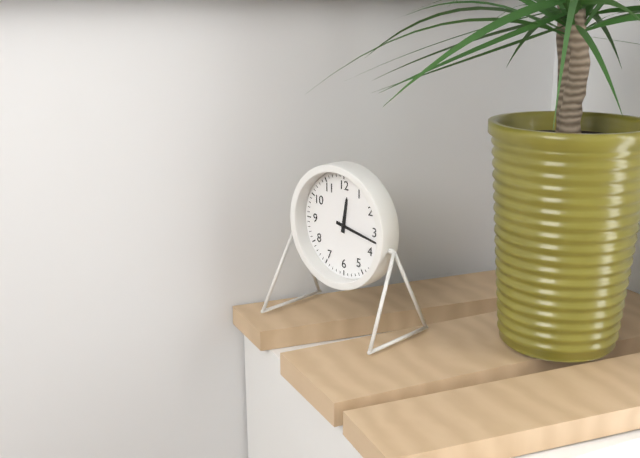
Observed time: 12:17
